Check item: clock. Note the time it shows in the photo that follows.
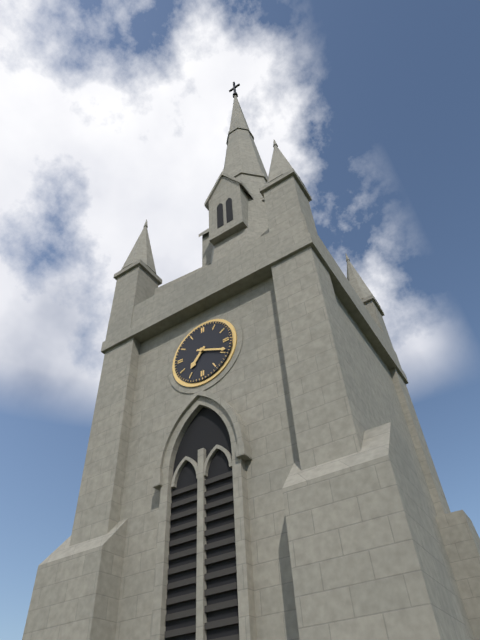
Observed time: 7:19
